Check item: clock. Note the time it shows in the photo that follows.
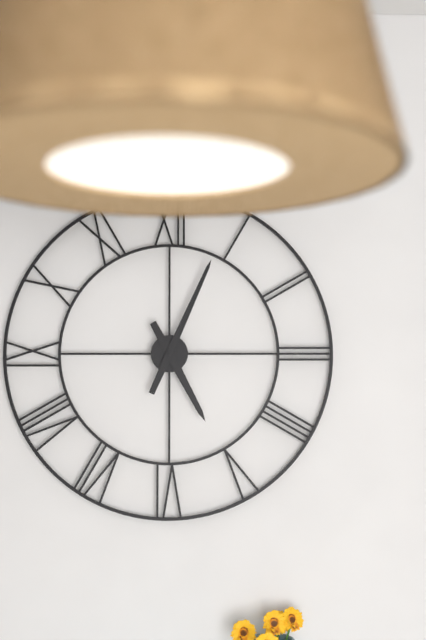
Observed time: 5:04
